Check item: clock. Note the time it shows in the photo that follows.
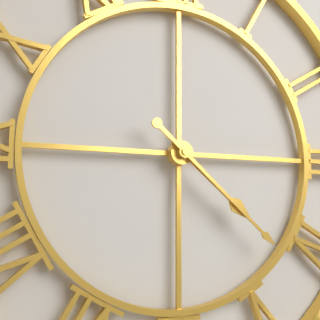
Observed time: 4:22
